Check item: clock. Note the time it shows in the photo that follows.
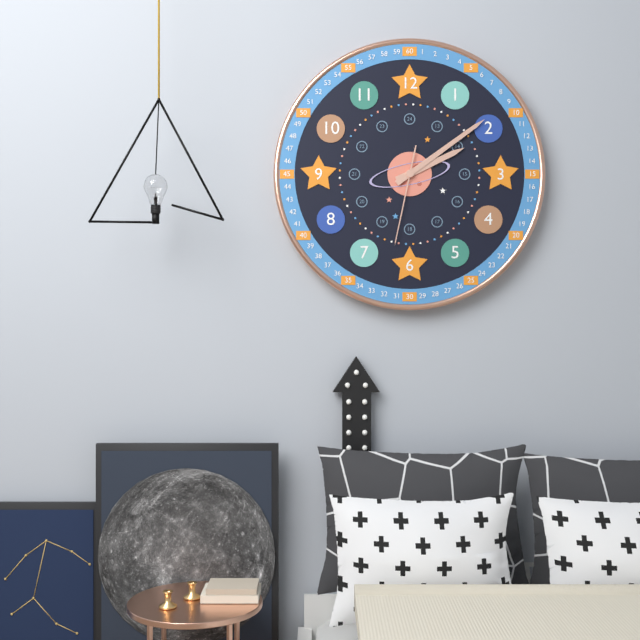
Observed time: 2:09:32
